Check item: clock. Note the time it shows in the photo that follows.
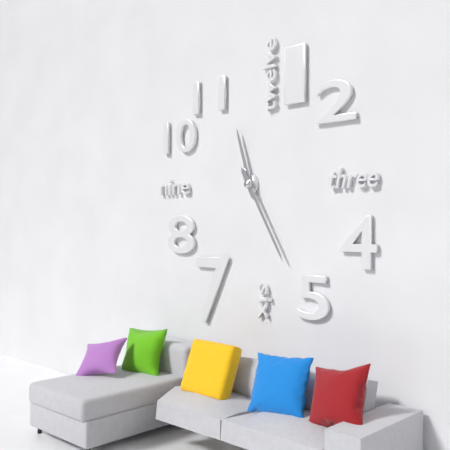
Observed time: 11:25
